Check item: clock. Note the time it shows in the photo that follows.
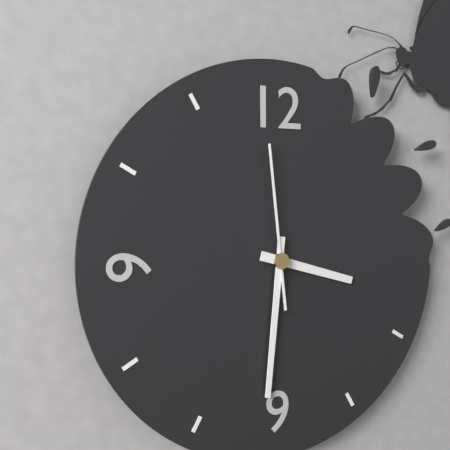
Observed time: 3:31:59
